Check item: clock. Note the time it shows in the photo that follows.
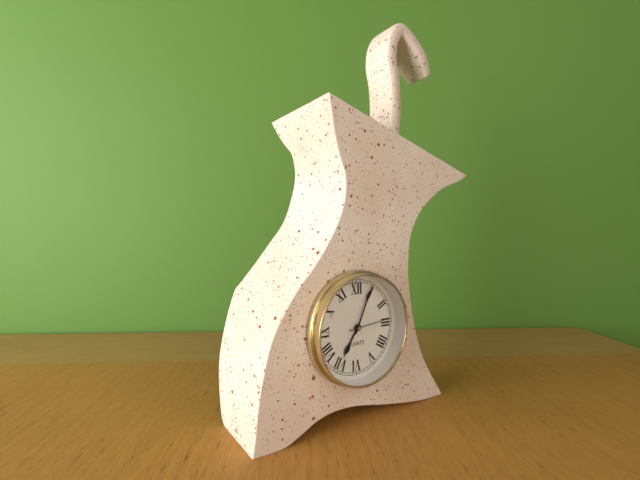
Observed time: 7:04
